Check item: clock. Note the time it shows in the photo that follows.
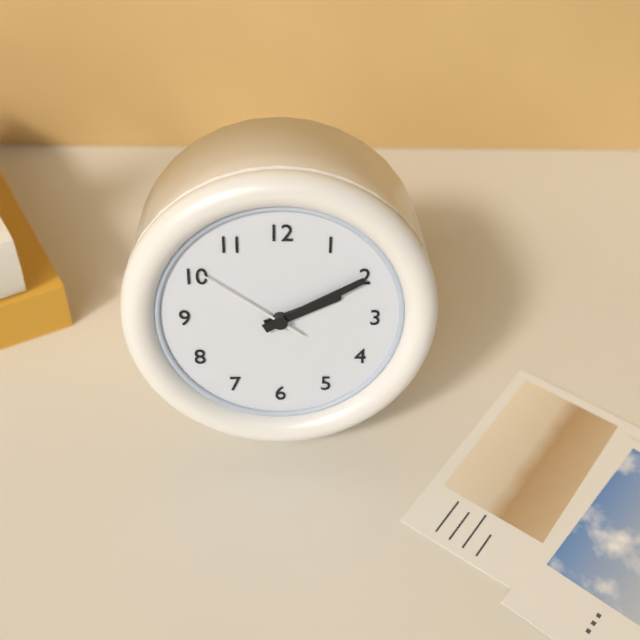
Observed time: 2:10:51
